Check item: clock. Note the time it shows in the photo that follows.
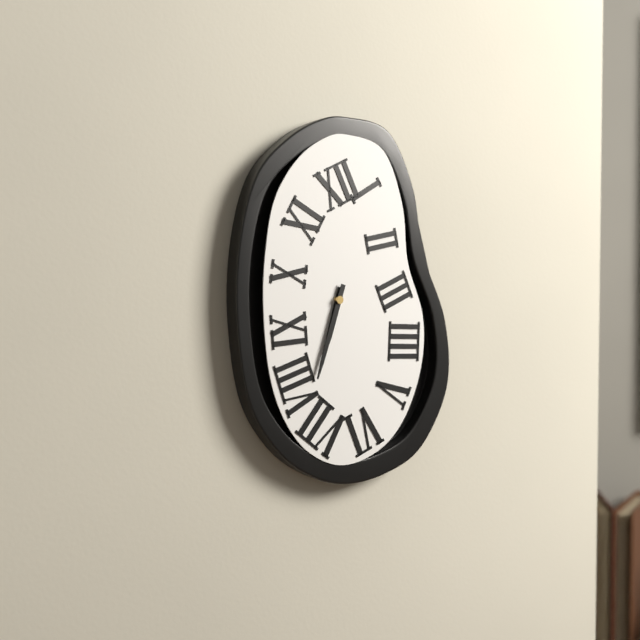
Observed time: 6:33
